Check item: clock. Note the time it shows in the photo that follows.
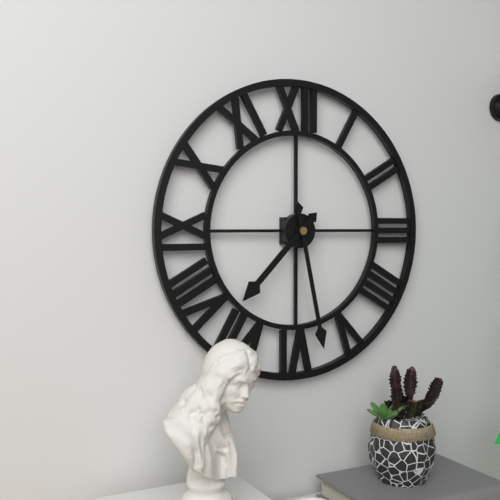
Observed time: 7:28
